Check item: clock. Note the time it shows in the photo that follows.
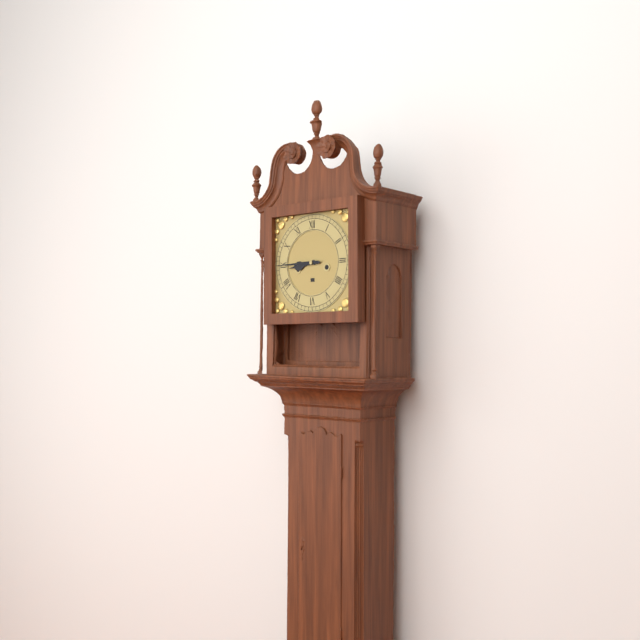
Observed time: 8:45
